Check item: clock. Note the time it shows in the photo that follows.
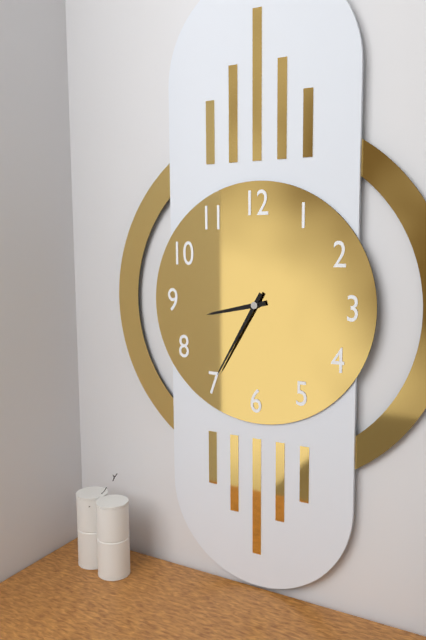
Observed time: 8:35
